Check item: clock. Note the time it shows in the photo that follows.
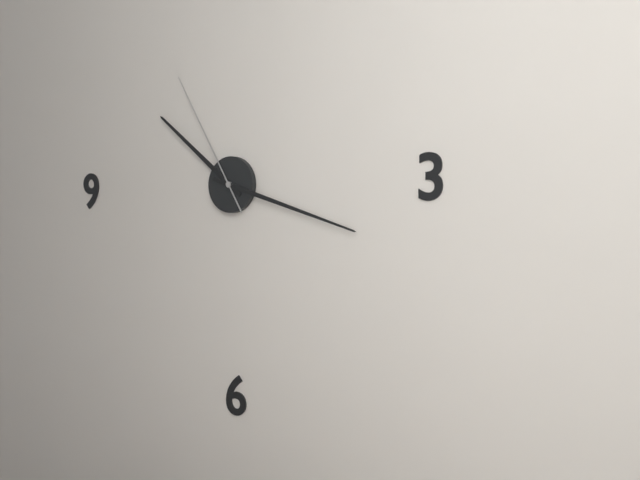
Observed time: 10:18:55
